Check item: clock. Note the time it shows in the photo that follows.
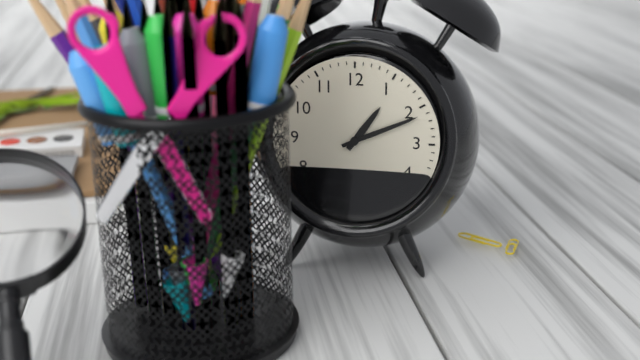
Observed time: 1:11
